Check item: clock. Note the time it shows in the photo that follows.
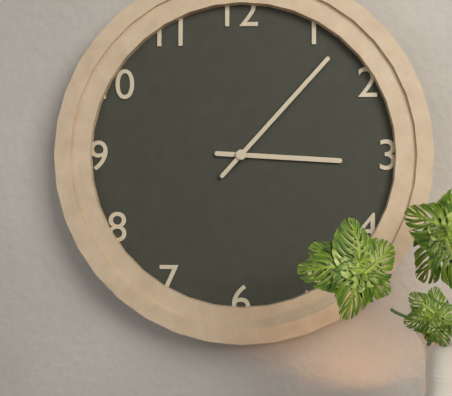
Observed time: 3:07
